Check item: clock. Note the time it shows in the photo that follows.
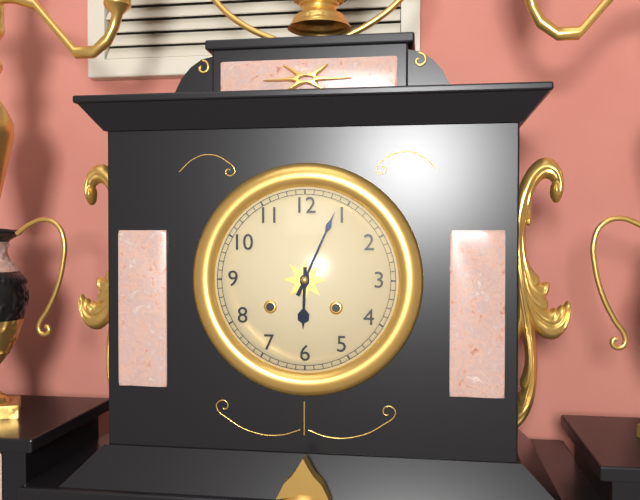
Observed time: 6:04
